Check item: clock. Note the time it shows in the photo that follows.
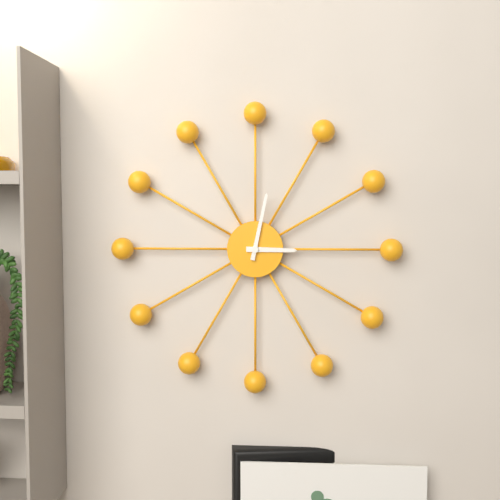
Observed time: 3:02
